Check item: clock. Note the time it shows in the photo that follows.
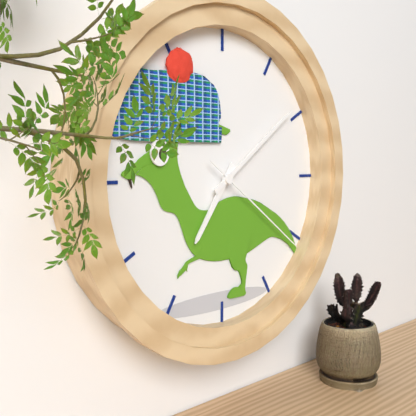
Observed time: 7:09:21
